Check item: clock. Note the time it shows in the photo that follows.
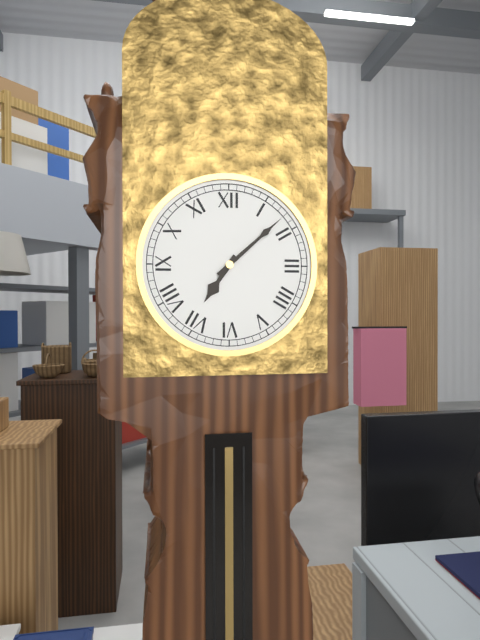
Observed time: 7:08
